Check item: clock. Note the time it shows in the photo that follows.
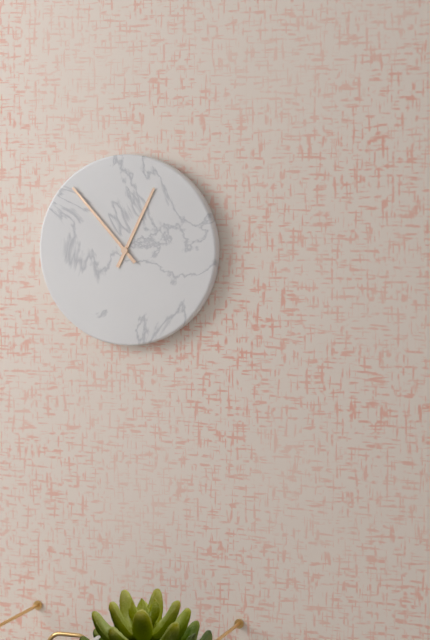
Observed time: 12:53
